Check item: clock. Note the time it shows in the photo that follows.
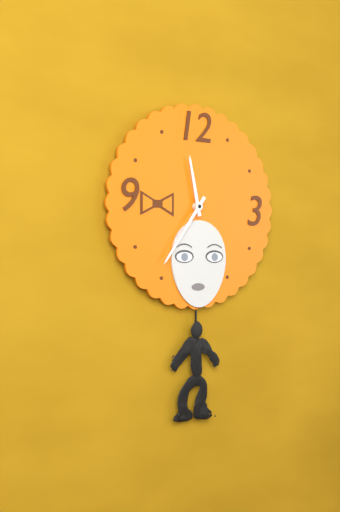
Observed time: 11:36
